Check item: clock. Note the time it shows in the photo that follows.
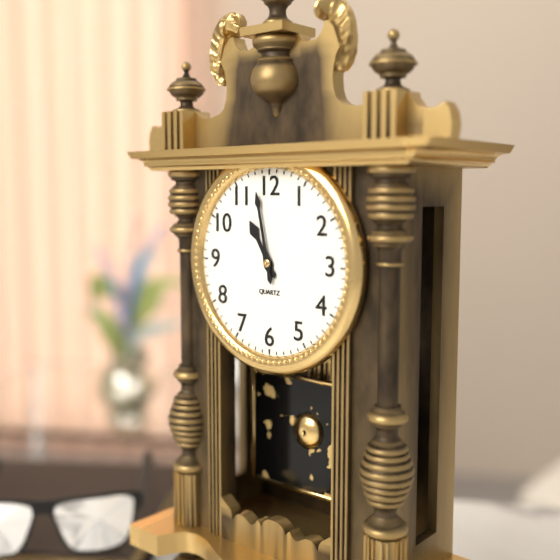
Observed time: 10:58
